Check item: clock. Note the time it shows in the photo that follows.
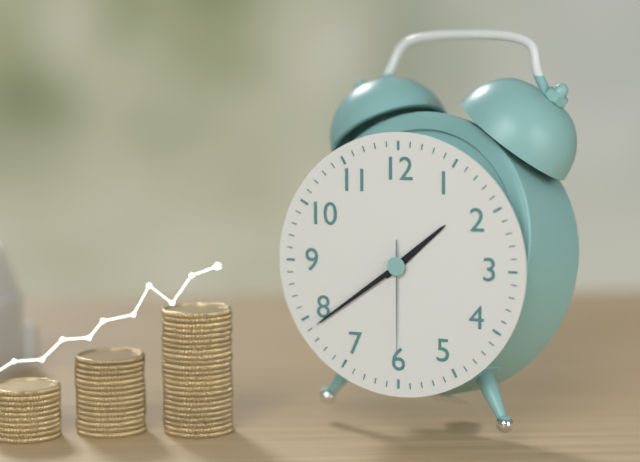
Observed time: 1:39:30
